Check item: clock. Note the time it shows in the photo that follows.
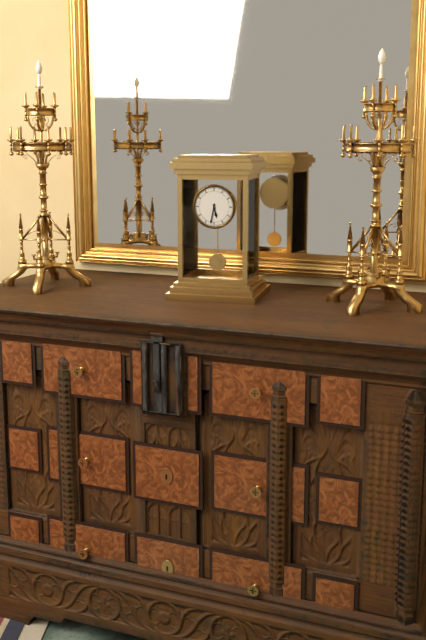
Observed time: 5:32
